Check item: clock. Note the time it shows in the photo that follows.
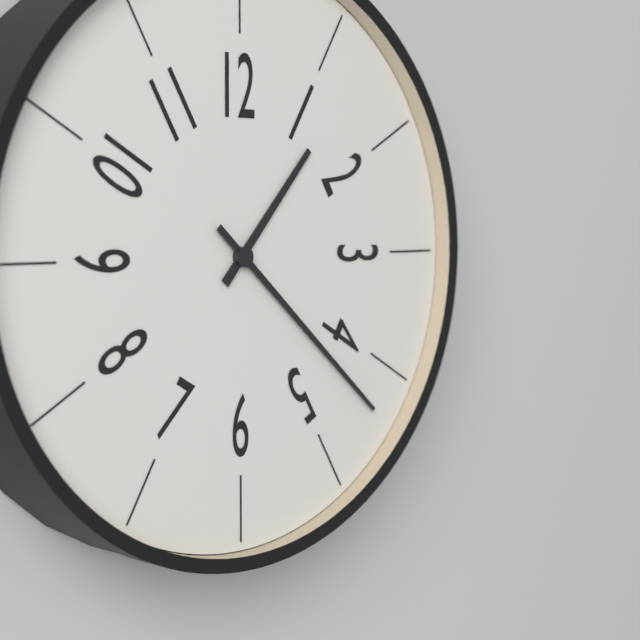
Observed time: 1:22
